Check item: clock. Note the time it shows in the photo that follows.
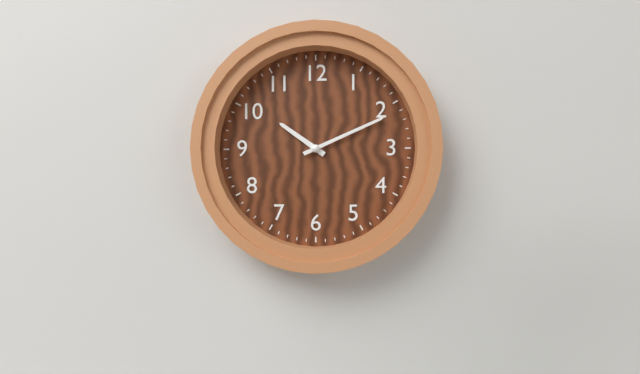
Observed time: 10:11
